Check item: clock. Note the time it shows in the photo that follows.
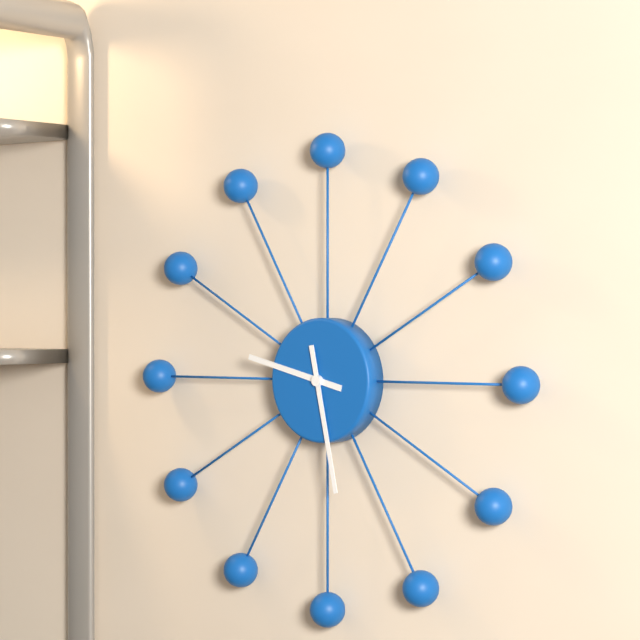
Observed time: 9:28
